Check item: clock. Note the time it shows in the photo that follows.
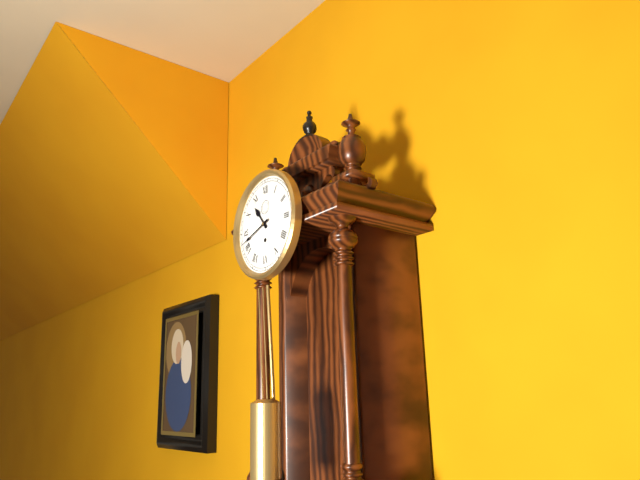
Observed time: 10:42
